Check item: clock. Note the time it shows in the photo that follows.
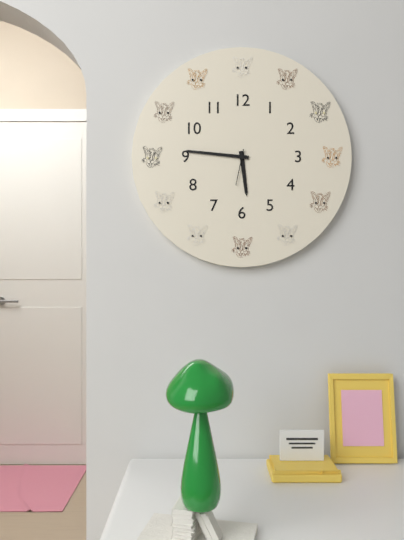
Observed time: 5:46
